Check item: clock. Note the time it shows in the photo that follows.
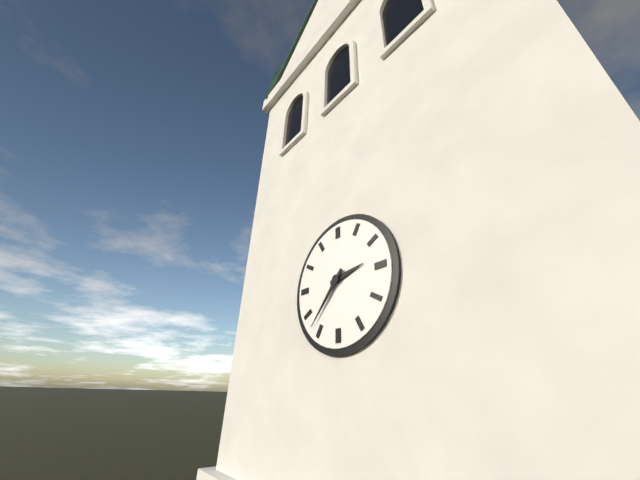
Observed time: 2:37
